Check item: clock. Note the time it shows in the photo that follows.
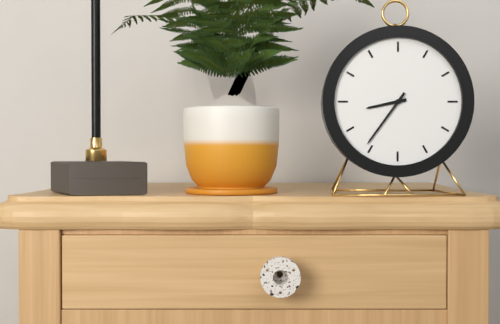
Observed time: 8:36
